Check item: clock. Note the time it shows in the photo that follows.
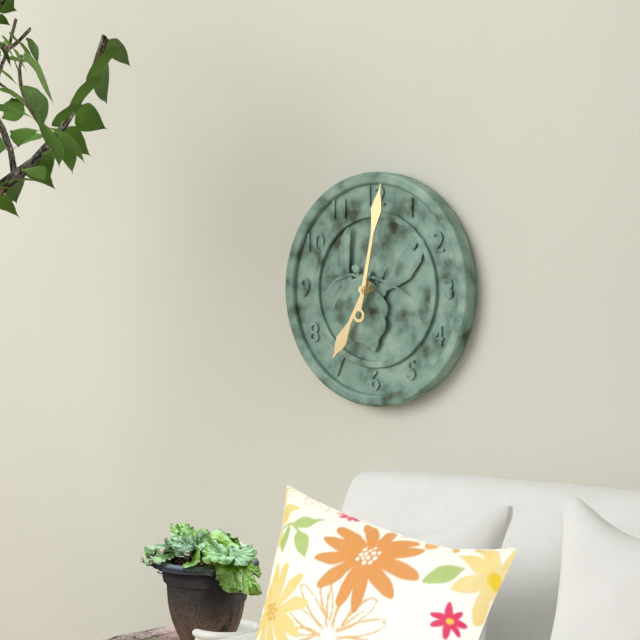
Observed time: 7:02
